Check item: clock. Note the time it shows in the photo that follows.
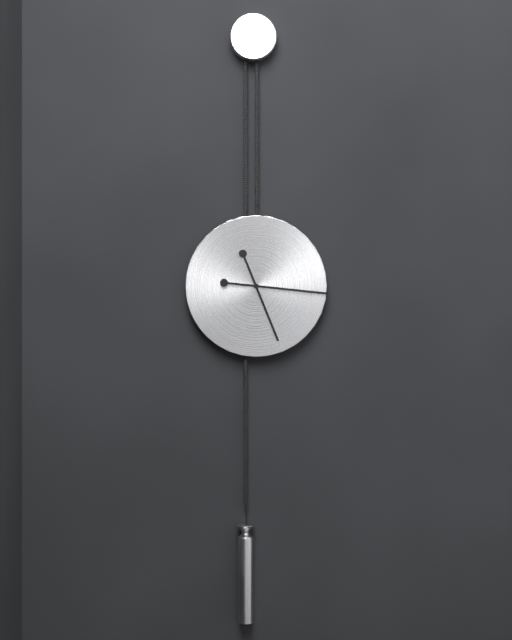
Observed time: 5:16
